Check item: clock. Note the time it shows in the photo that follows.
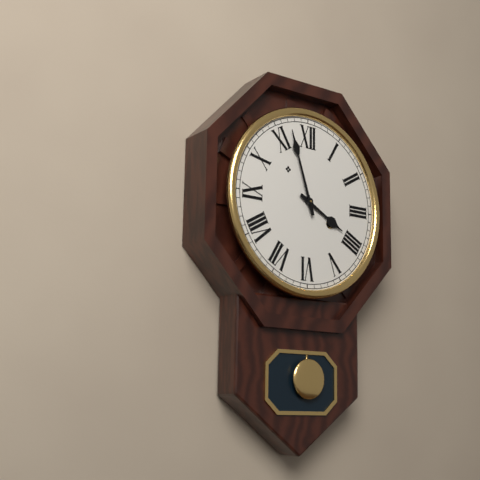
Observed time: 3:57
